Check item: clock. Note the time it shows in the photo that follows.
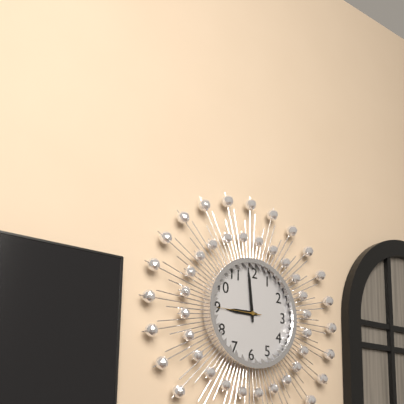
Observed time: 8:59
